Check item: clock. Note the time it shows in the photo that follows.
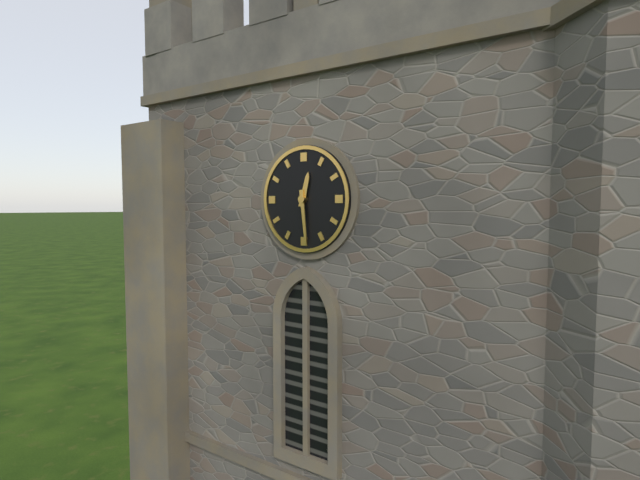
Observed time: 12:29
